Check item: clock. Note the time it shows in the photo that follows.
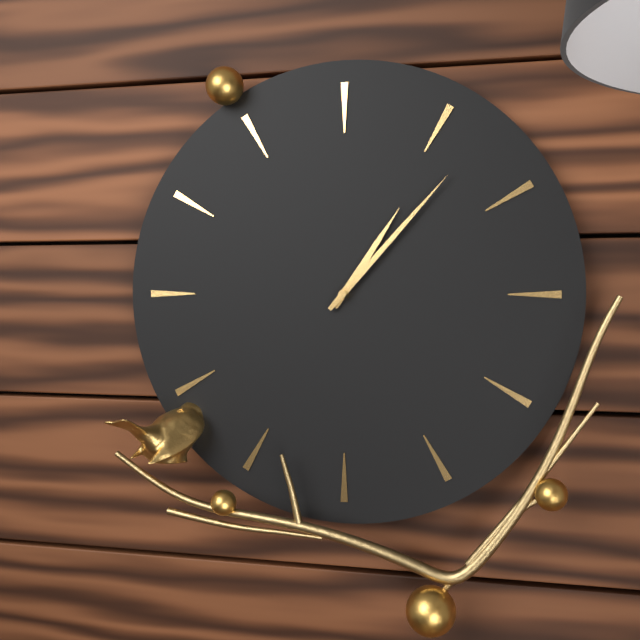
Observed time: 1:07
